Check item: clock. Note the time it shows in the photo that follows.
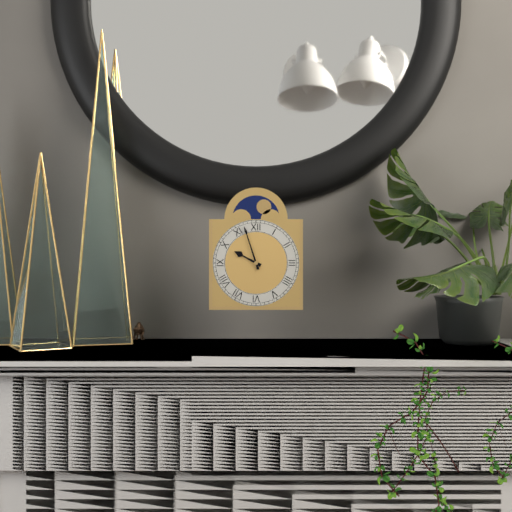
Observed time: 9:57
